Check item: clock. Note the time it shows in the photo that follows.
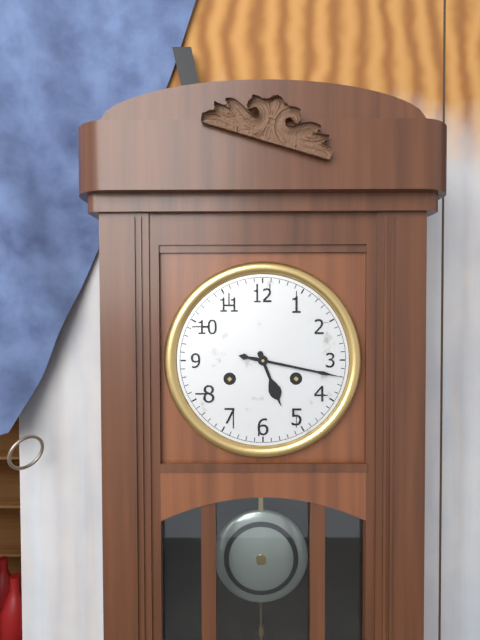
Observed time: 5:17
